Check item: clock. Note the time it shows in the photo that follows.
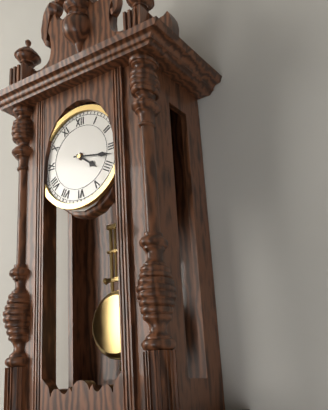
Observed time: 4:17
